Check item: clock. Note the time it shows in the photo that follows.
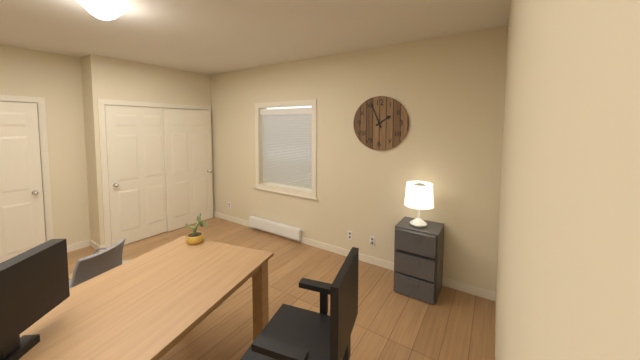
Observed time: 1:56
